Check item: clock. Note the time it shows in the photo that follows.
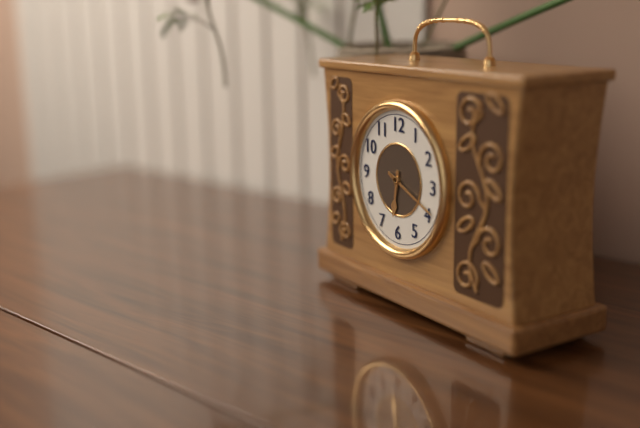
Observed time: 6:19
